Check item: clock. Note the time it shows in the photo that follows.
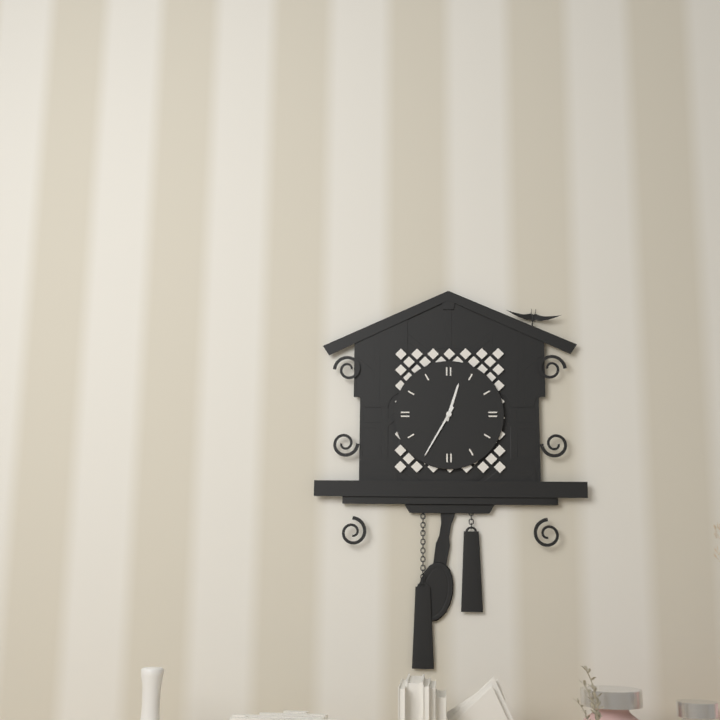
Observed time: 12:35
